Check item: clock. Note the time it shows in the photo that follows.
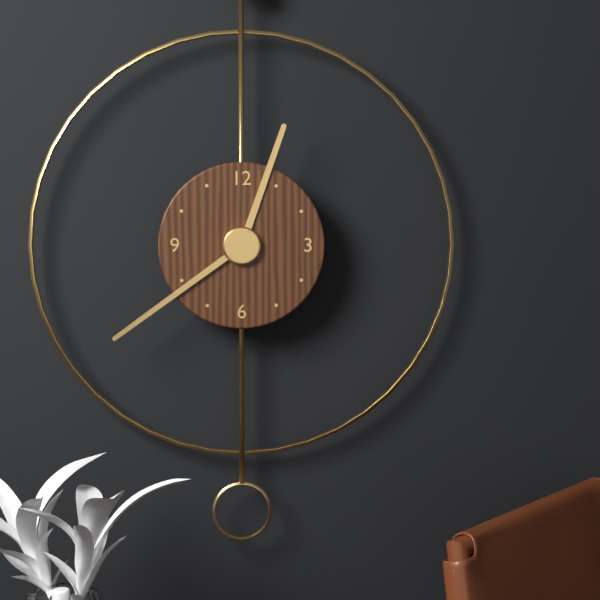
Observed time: 12:39
